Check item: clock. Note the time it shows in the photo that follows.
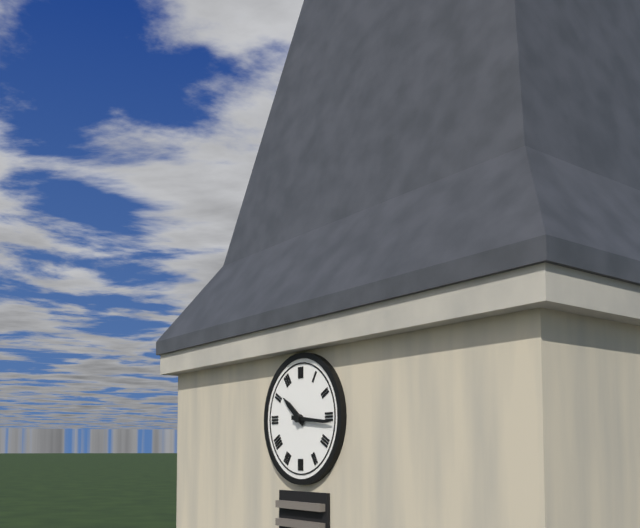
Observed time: 10:16
